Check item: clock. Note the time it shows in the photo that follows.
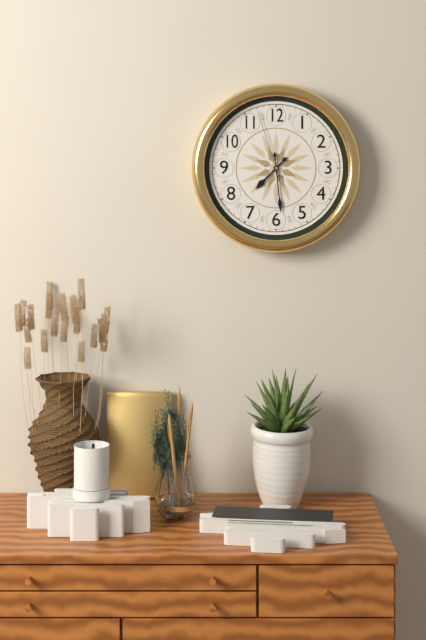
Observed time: 7:29:57
